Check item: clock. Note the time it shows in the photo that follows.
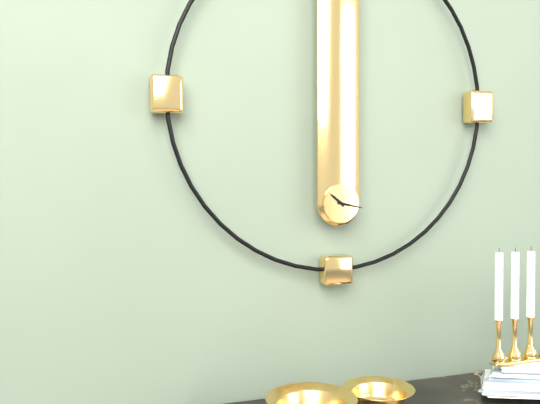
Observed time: 10:17
